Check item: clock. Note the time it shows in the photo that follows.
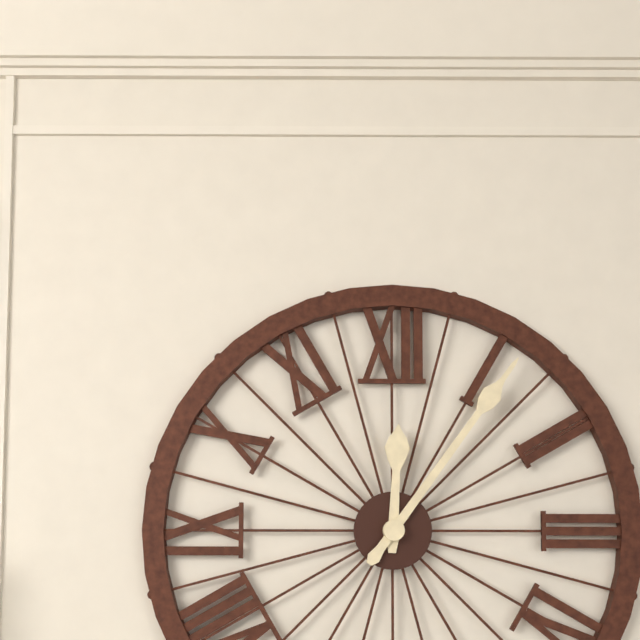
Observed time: 12:06
